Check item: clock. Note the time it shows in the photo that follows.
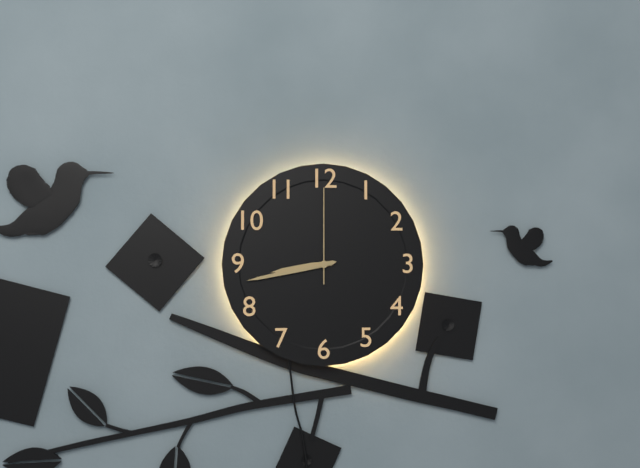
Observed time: 8:43:00
